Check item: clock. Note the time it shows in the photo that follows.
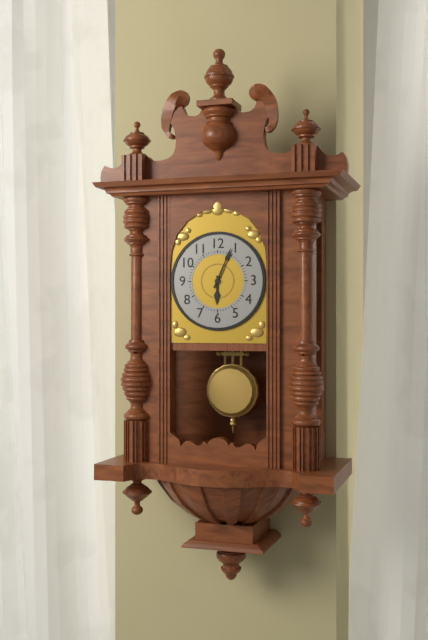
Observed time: 6:04
